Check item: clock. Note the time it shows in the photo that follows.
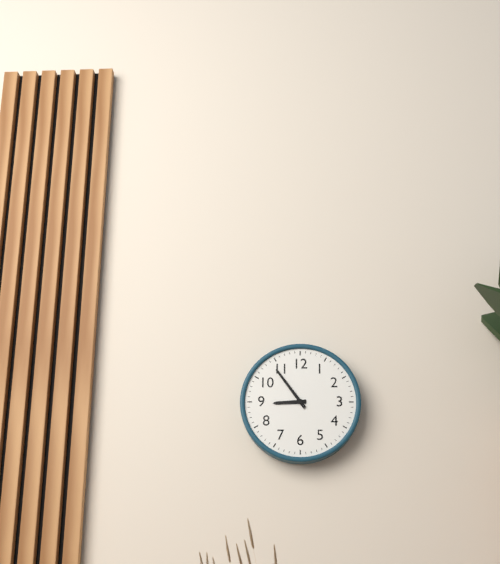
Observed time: 8:54
